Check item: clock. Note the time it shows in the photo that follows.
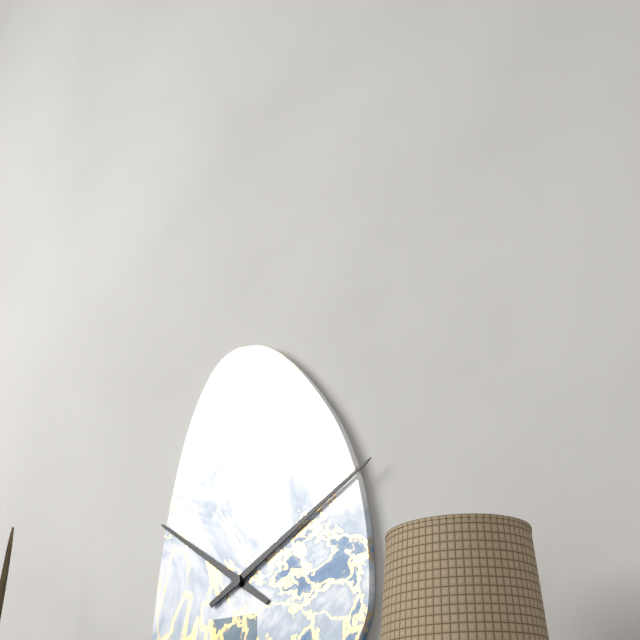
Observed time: 10:10
